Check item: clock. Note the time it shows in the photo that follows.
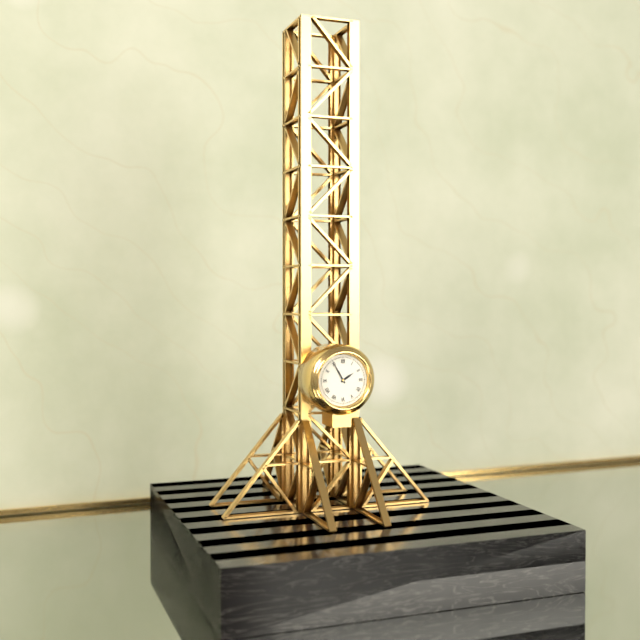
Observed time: 1:55
